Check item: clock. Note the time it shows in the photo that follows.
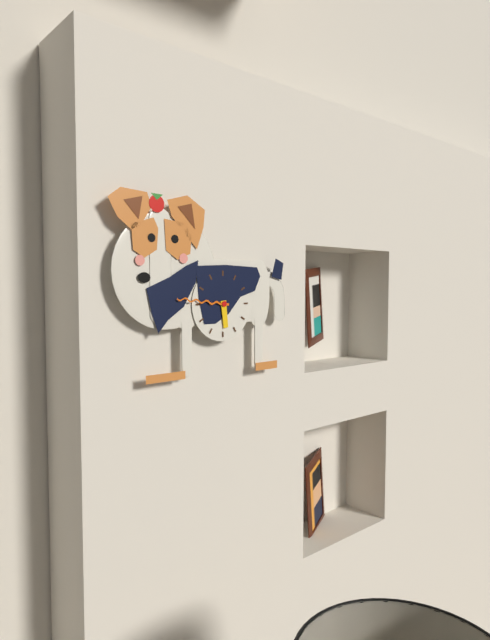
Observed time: 5:46
